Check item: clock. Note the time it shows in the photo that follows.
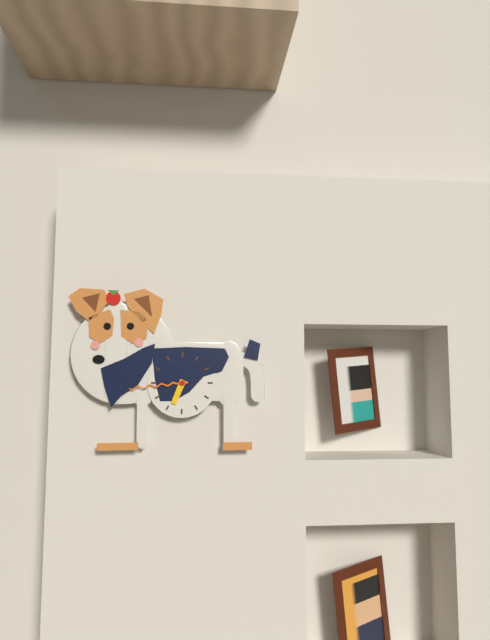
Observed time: 6:44
